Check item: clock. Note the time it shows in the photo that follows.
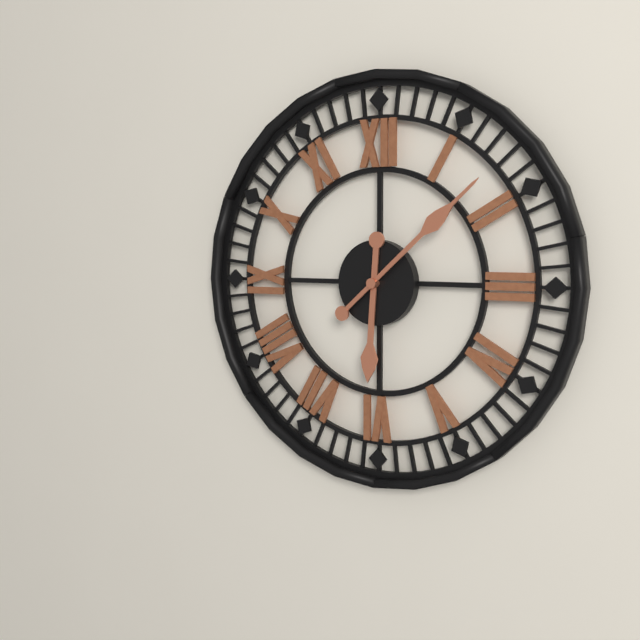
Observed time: 6:08
